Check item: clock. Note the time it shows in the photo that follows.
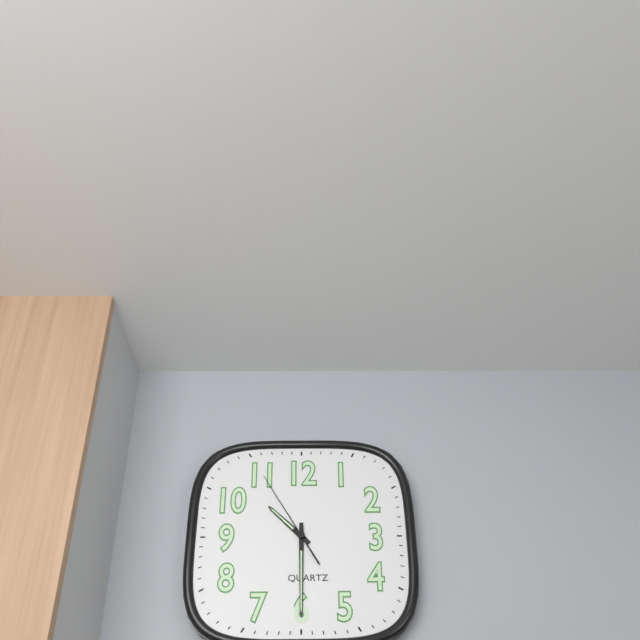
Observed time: 10:30:55
